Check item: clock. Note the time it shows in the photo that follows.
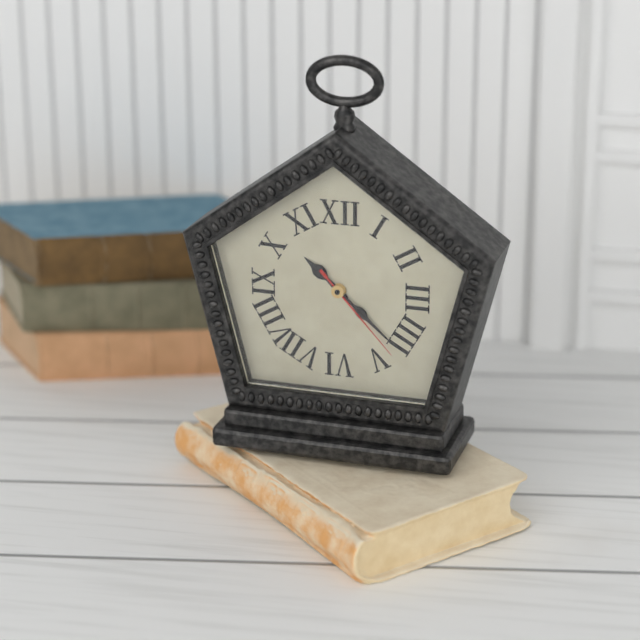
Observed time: 10:22:23
